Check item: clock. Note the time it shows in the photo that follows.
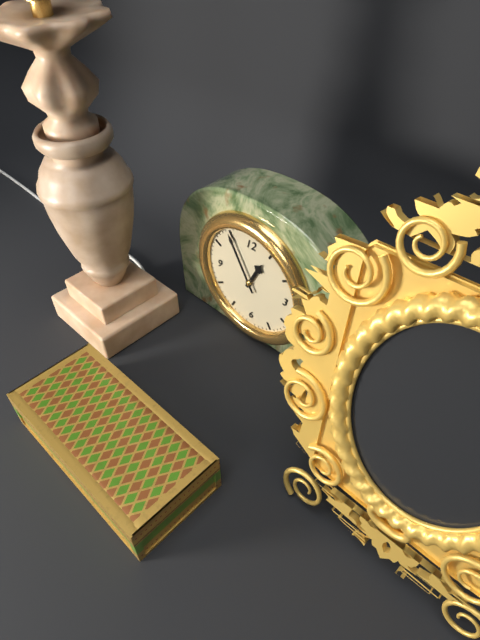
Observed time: 12:55
